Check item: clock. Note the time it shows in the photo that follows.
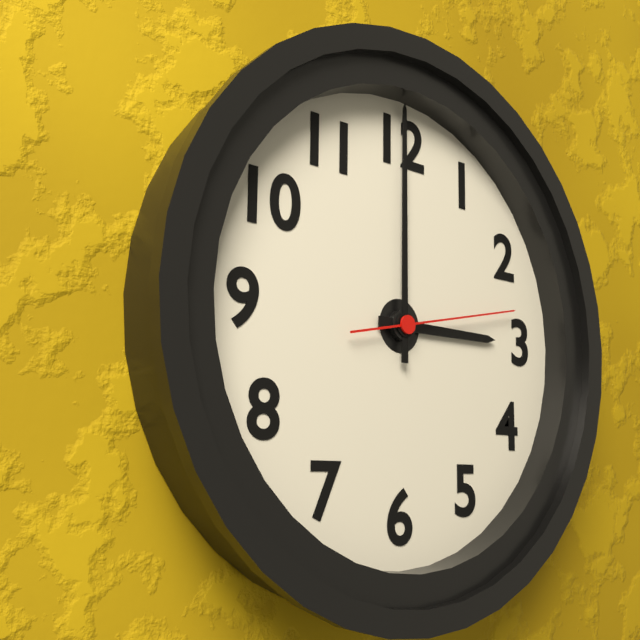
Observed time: 3:00:13
